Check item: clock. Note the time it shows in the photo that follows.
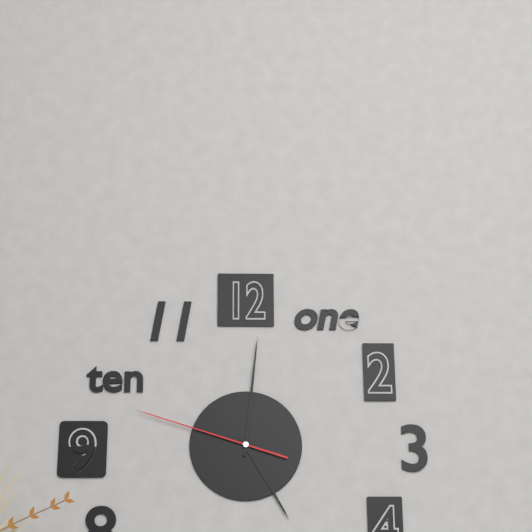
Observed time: 5:01:48
